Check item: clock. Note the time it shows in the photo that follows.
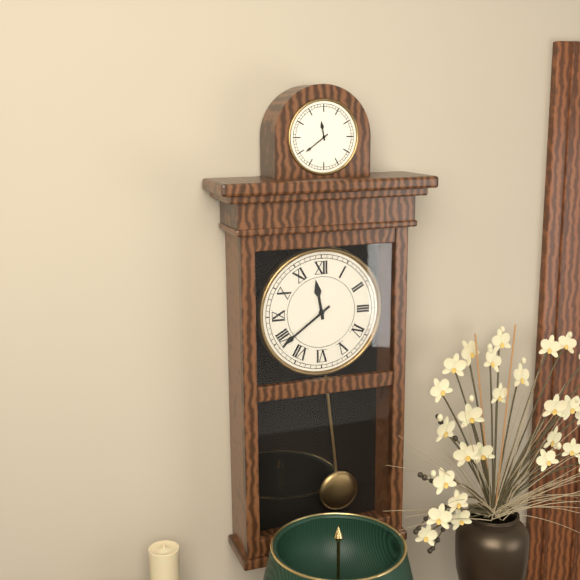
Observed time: 11:39
